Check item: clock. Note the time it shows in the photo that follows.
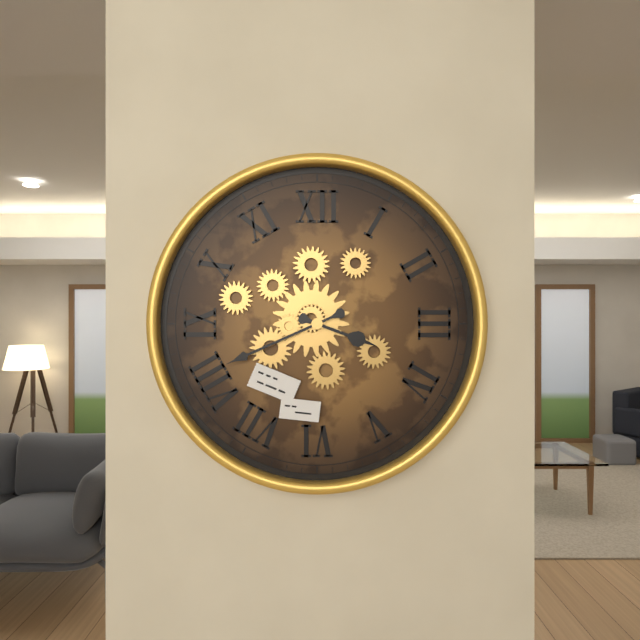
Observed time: 3:41
